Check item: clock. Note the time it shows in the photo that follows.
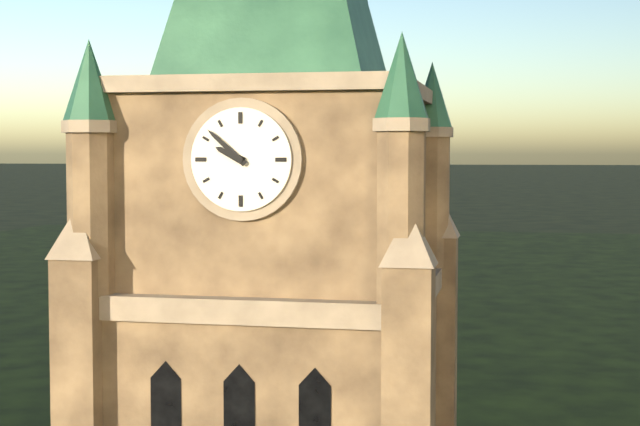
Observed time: 9:52
